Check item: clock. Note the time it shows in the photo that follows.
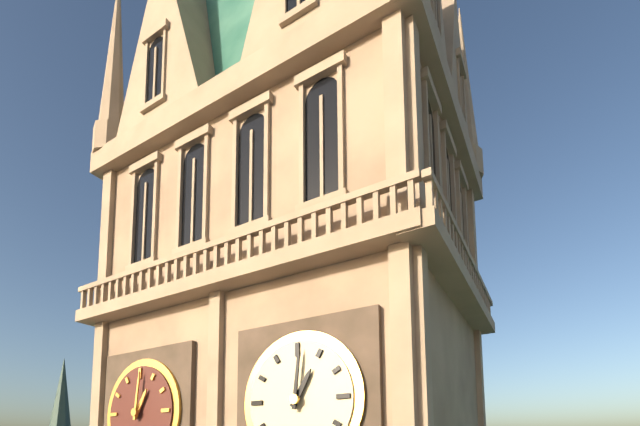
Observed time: 1:01
